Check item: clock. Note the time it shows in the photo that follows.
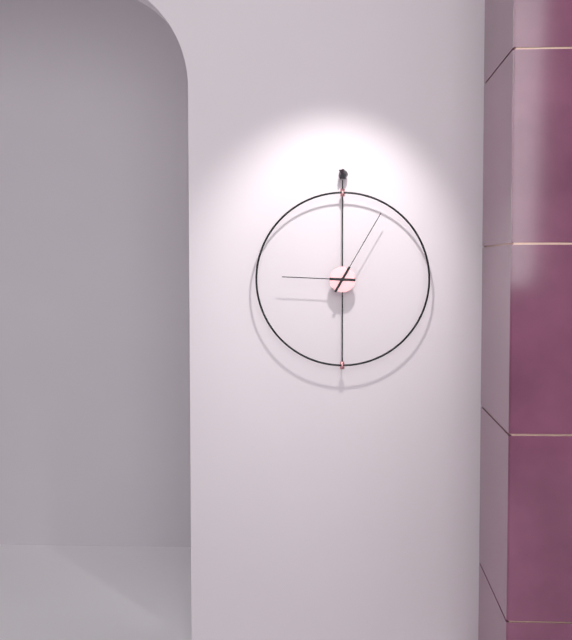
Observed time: 9:05
